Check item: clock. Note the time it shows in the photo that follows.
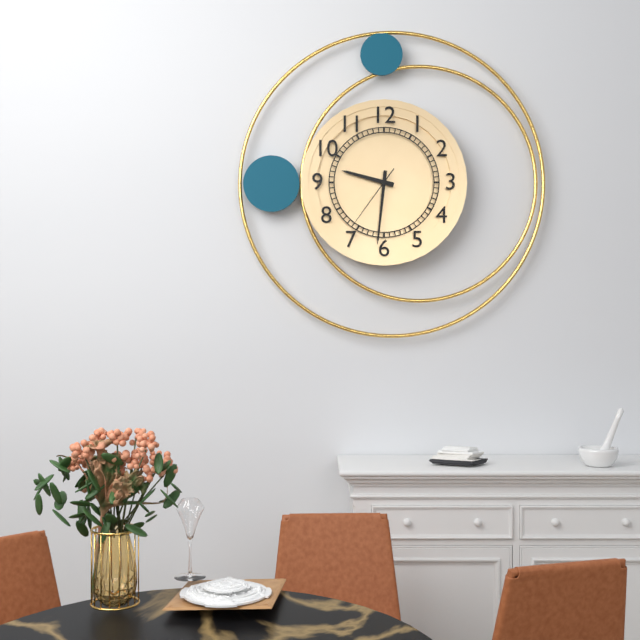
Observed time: 9:31:36
